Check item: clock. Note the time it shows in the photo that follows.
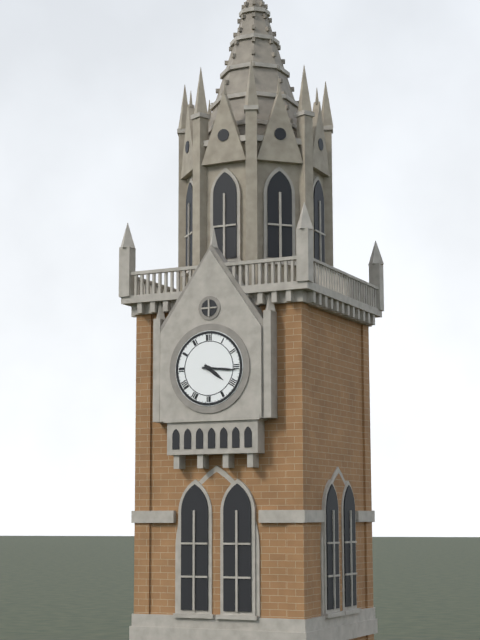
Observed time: 4:16
